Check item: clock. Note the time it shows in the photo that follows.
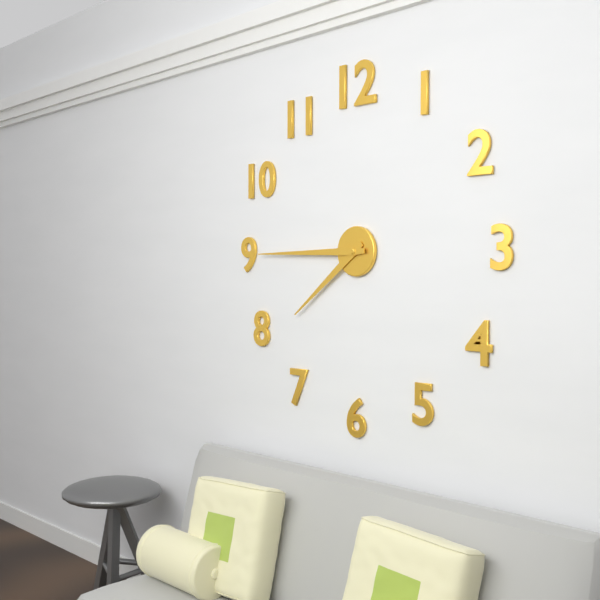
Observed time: 7:45
